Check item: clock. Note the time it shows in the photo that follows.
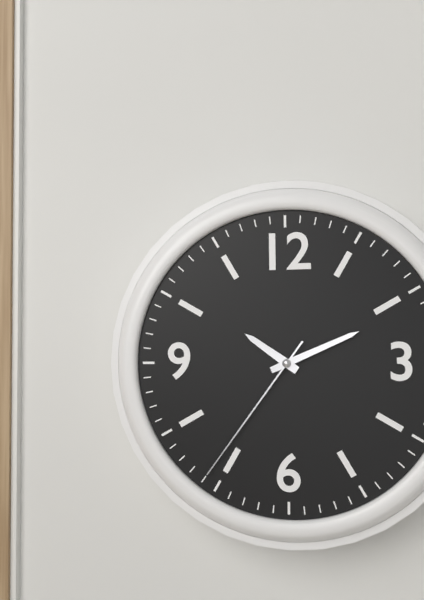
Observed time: 10:11:36
